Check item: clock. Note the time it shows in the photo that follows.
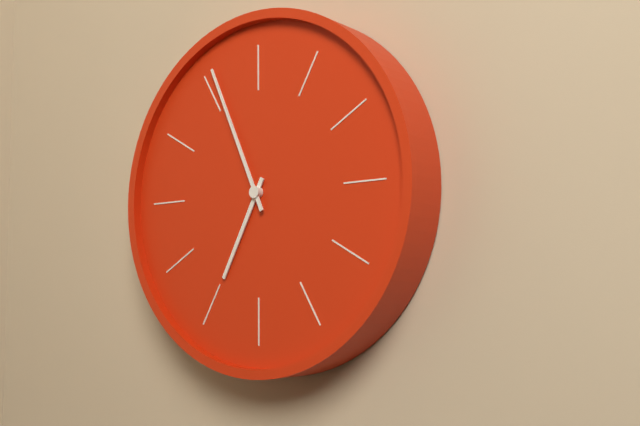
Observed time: 6:56
